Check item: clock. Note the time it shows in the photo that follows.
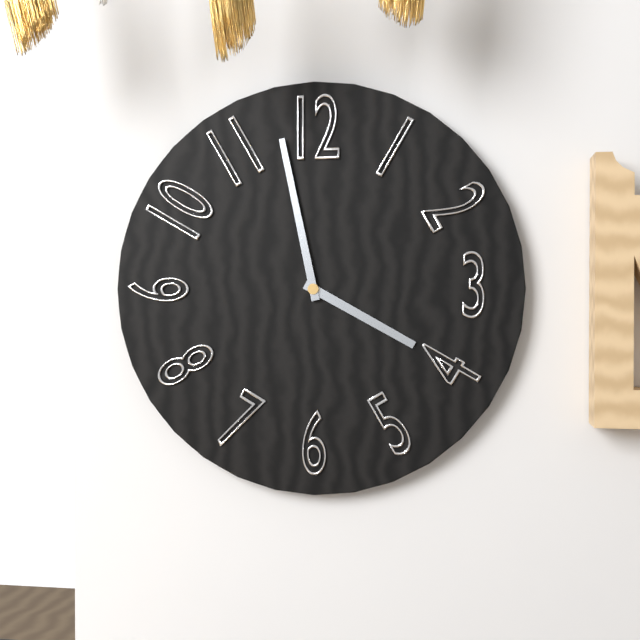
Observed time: 3:58
